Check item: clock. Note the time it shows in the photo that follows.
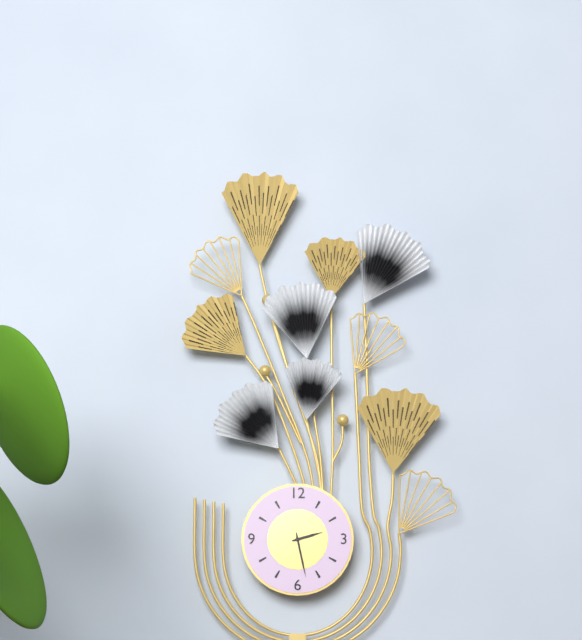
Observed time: 2:28
